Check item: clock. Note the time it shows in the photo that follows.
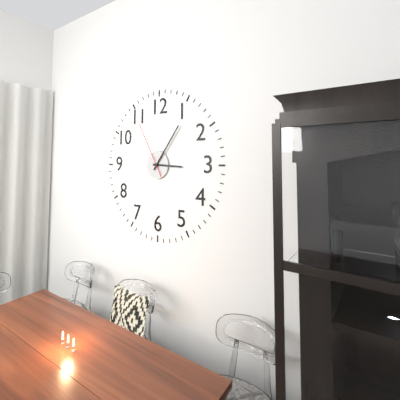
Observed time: 3:06:55
